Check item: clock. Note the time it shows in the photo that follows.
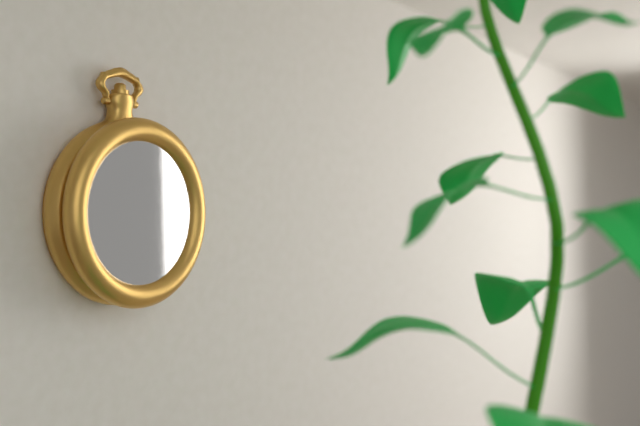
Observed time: 3:28
